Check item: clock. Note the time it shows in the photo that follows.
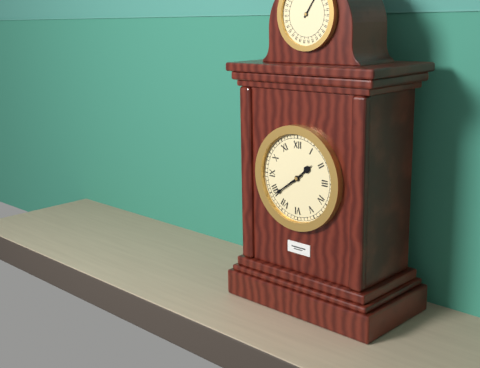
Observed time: 1:39
